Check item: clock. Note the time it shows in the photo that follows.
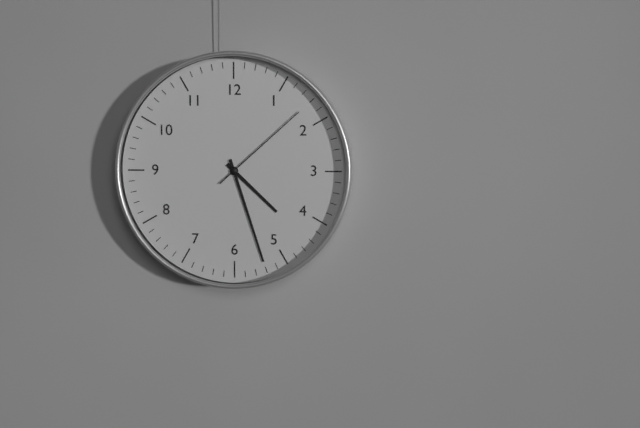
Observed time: 4:27:08
